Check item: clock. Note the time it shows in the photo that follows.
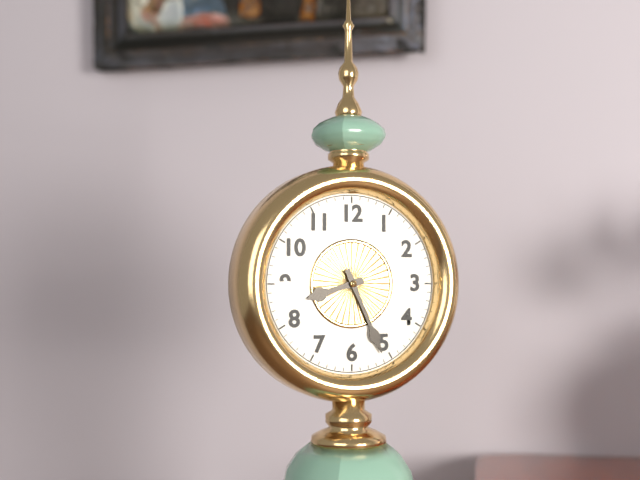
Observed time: 8:26
